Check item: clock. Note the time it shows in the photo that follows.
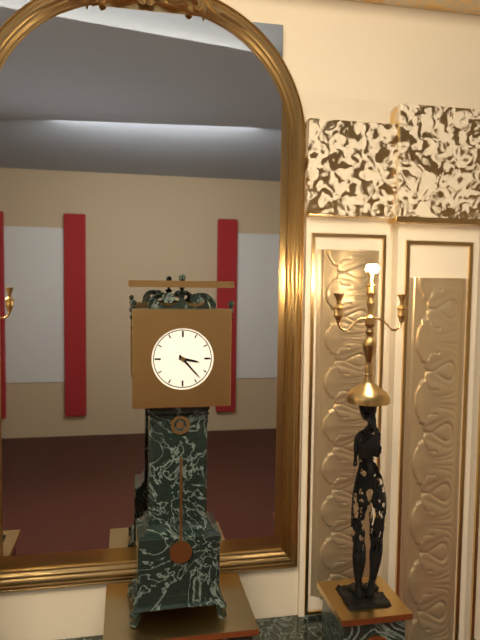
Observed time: 3:23
